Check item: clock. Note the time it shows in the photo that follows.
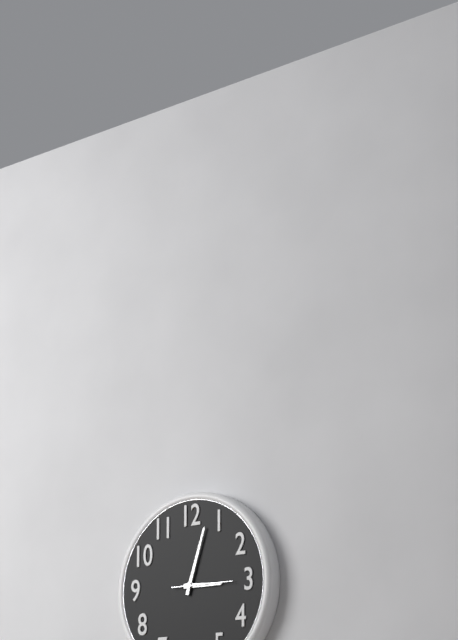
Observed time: 3:03:15
